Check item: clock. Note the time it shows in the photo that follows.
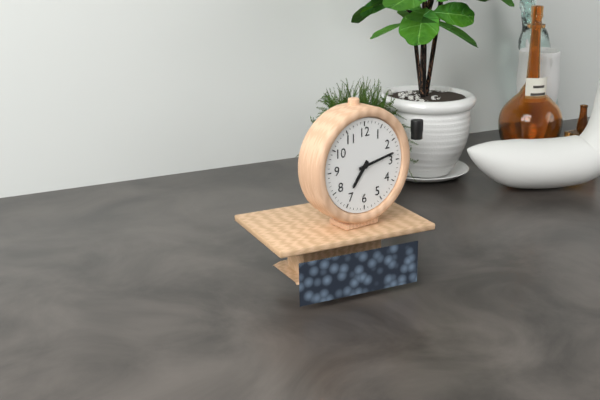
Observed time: 7:13
